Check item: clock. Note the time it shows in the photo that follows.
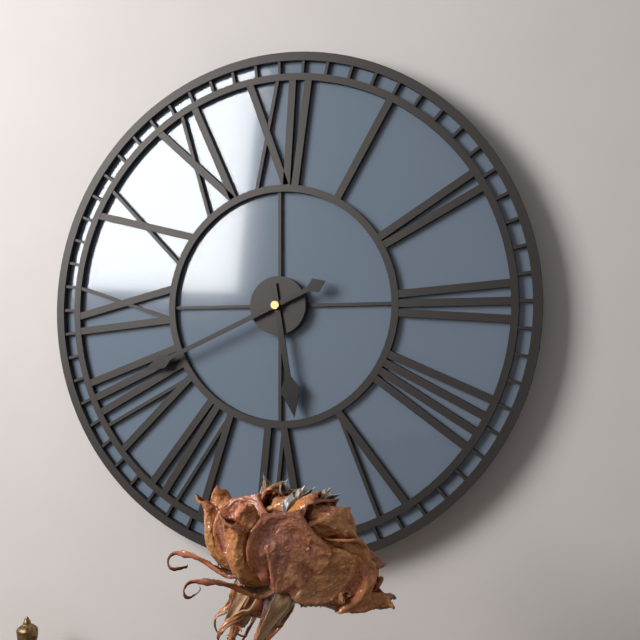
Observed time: 5:41
